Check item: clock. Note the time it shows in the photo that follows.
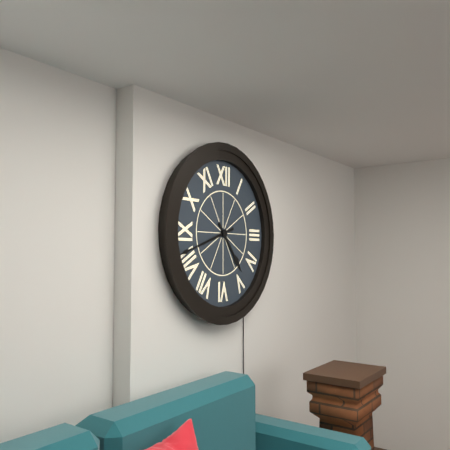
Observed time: 4:42
